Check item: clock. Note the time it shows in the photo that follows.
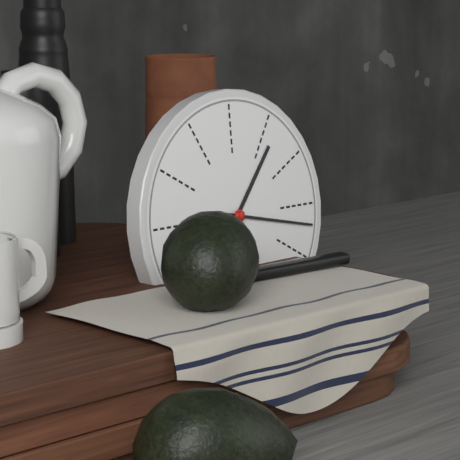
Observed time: 1:17
